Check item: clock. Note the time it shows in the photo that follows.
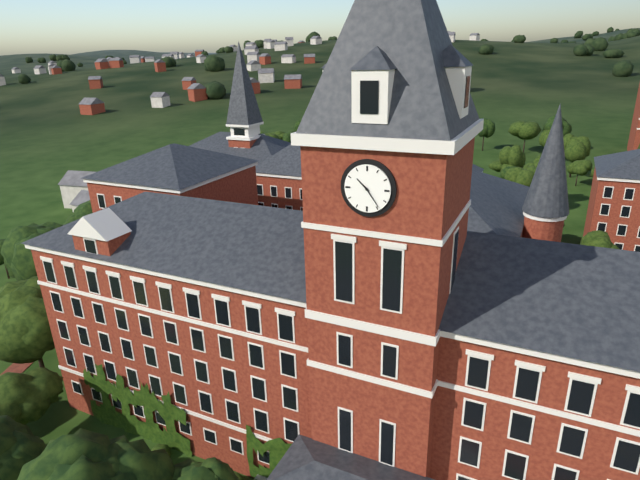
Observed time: 10:24
